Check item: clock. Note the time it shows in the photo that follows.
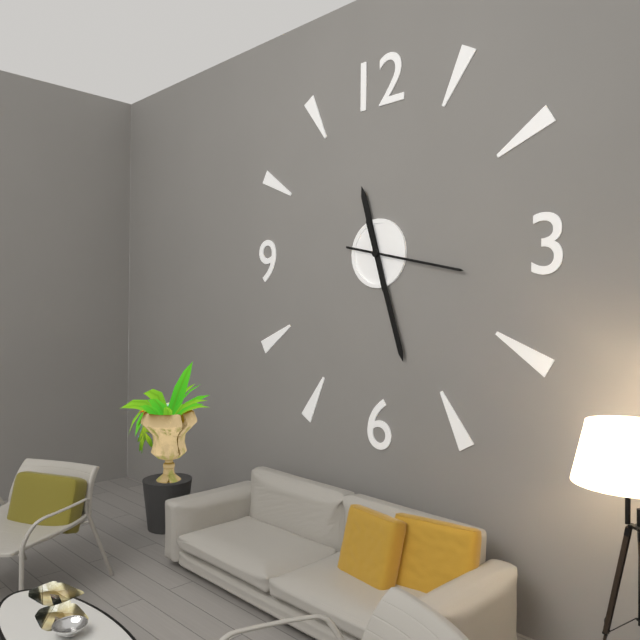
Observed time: 11:27:17
